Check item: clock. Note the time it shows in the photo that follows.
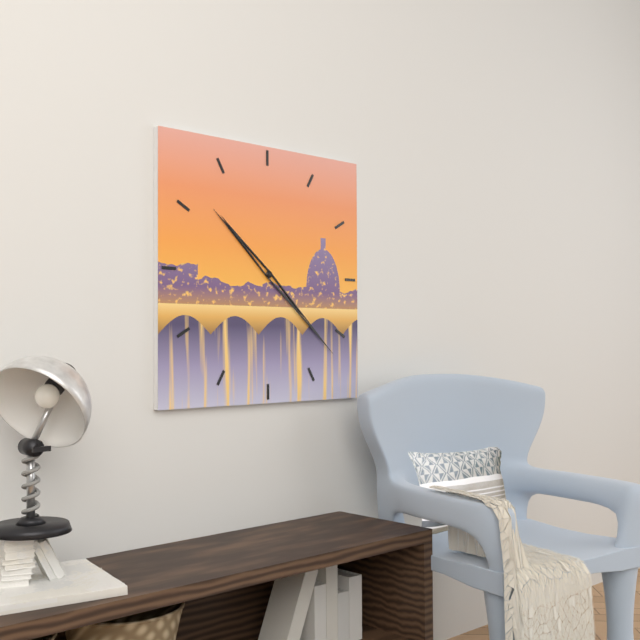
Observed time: 10:22
